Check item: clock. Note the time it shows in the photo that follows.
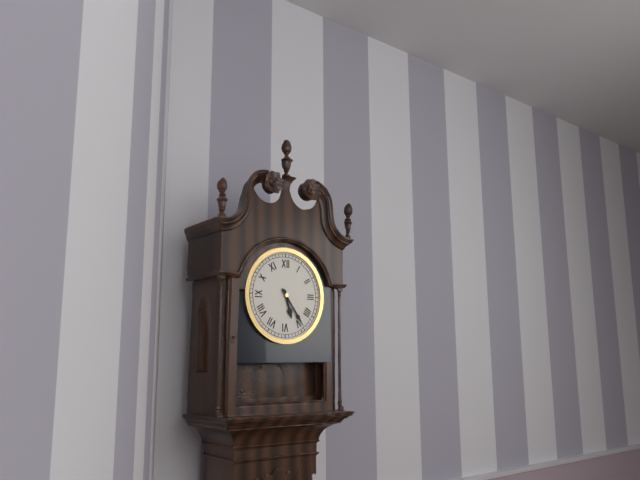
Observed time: 5:24
